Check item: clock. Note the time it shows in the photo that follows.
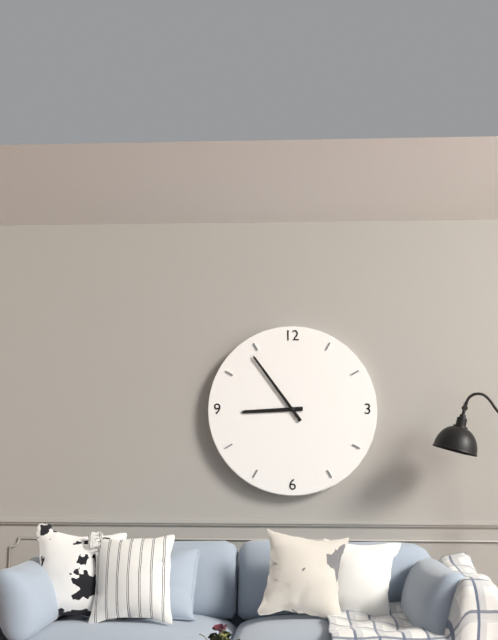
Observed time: 8:54
